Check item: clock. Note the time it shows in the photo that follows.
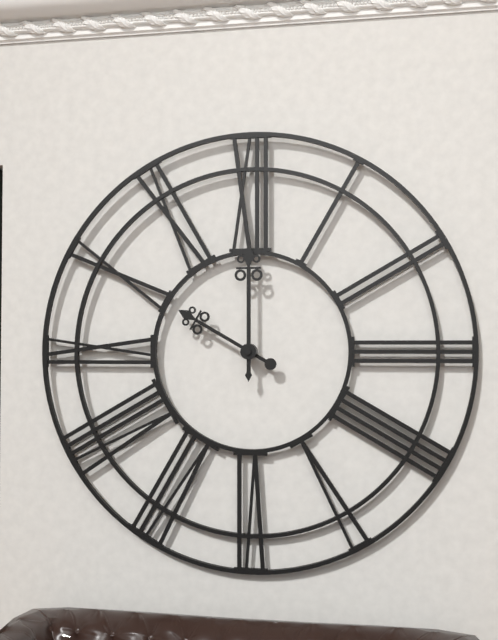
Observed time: 10:00
